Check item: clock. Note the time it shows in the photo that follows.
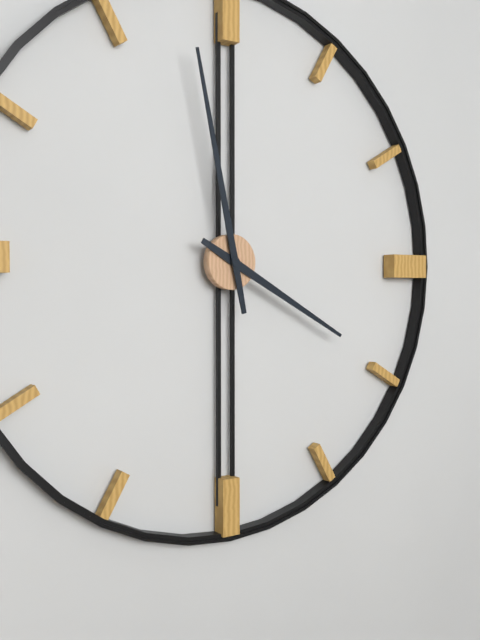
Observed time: 3:58
